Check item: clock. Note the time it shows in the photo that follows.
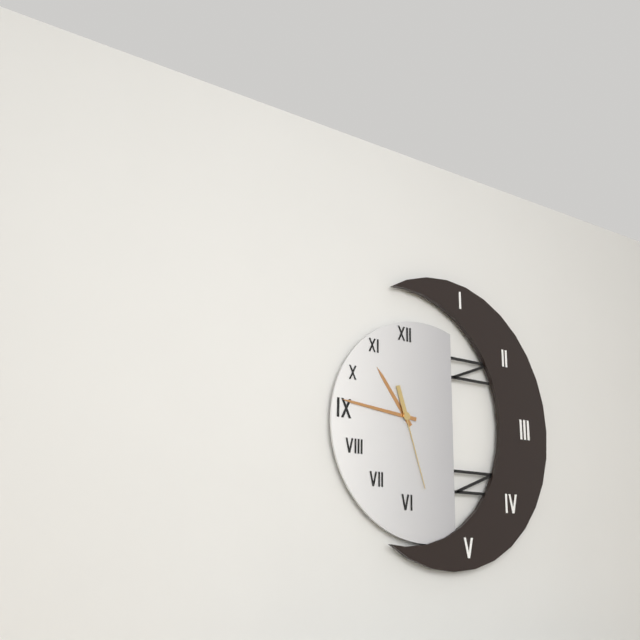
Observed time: 10:46:27
